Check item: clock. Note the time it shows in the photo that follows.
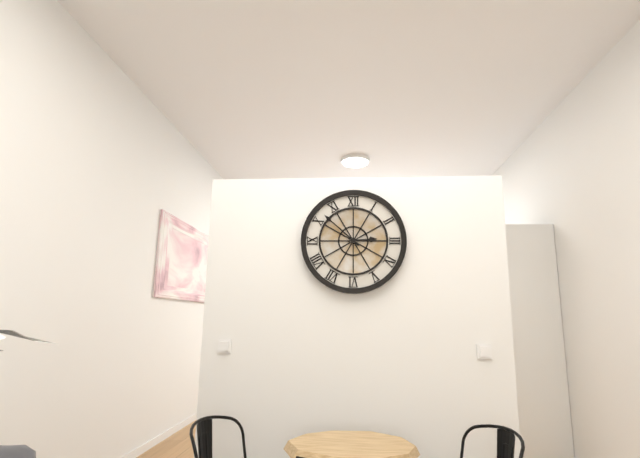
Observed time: 2:52
